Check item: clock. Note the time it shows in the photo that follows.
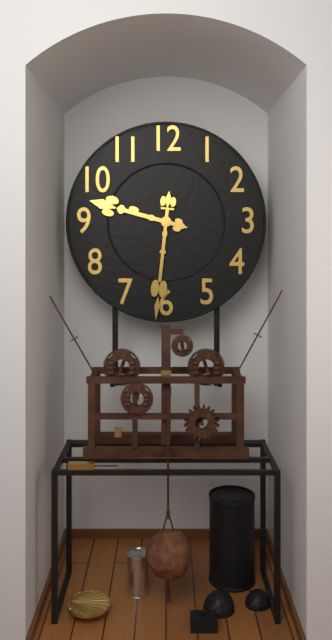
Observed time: 9:31
